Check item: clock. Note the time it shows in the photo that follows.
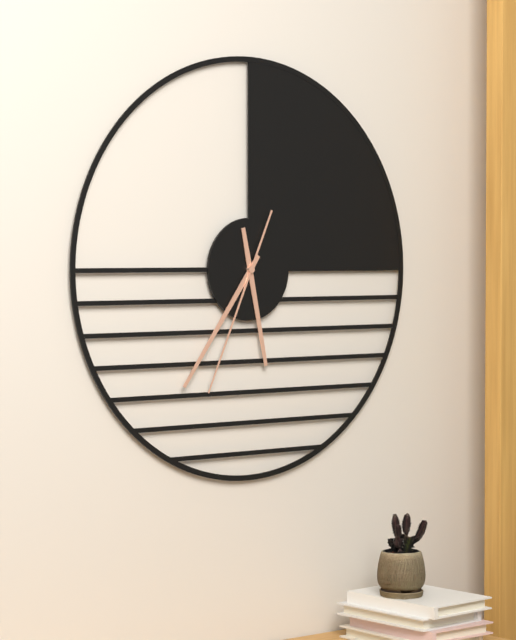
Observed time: 5:36:34
